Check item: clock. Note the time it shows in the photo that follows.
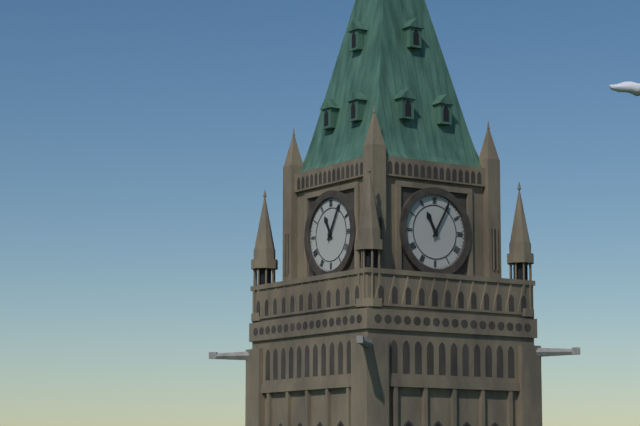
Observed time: 11:05
